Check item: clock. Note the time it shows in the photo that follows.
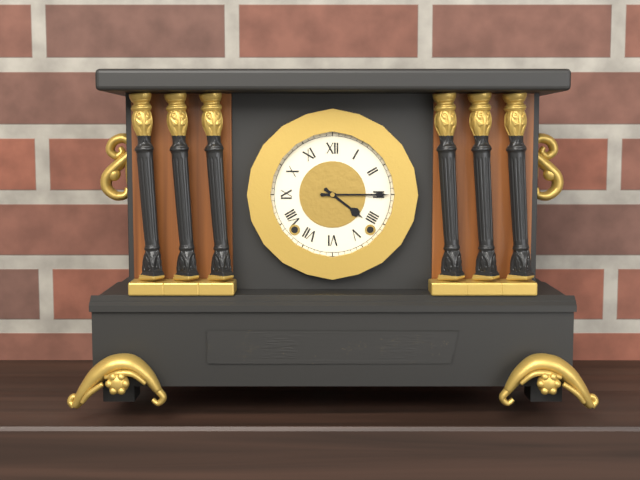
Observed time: 4:15
